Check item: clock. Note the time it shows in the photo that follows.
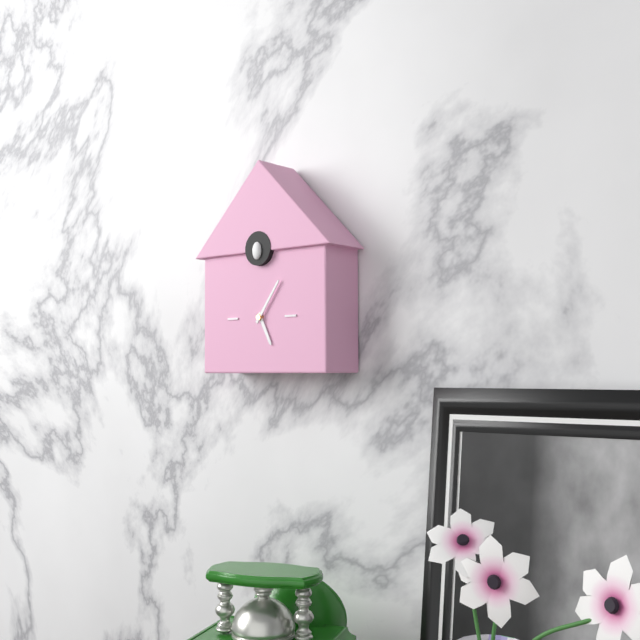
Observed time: 5:06
